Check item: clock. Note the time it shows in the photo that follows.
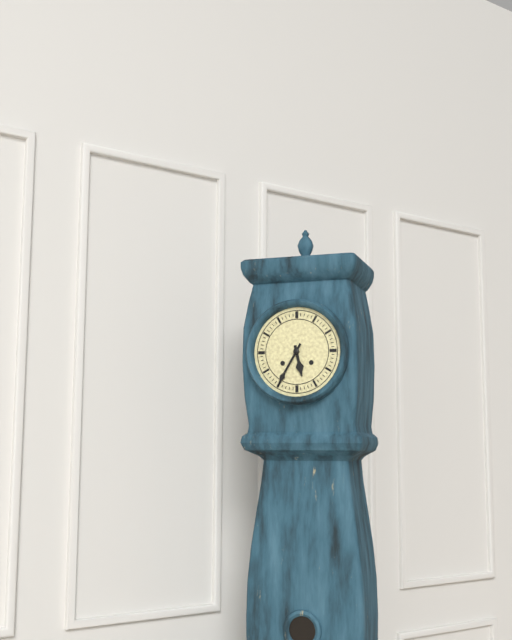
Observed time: 5:35
